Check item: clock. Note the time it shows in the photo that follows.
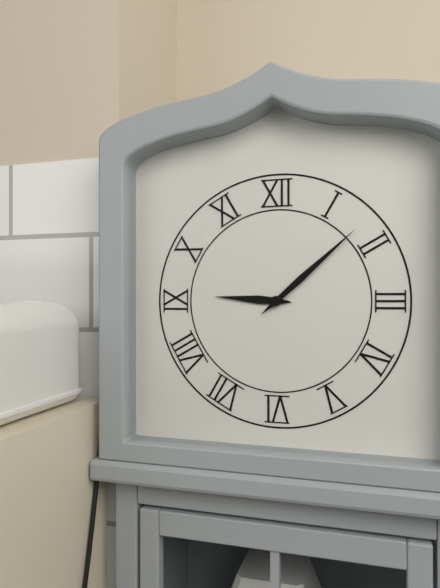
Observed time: 9:08
